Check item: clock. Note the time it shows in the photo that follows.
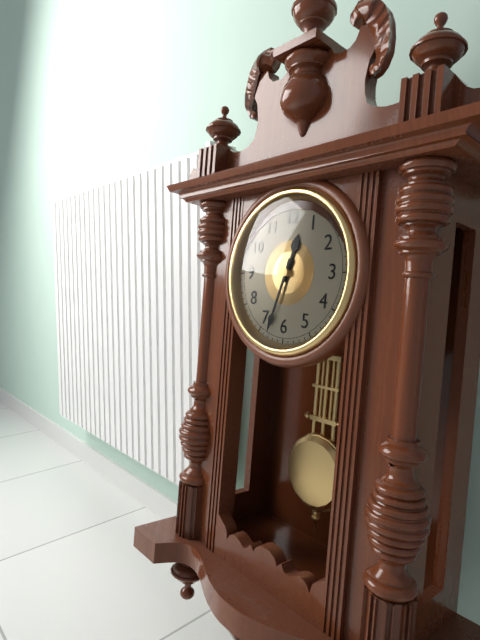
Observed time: 12:33
